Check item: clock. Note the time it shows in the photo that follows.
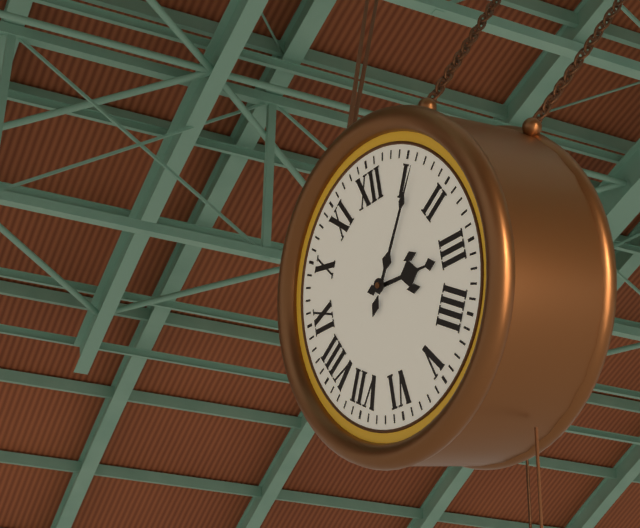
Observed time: 3:06
